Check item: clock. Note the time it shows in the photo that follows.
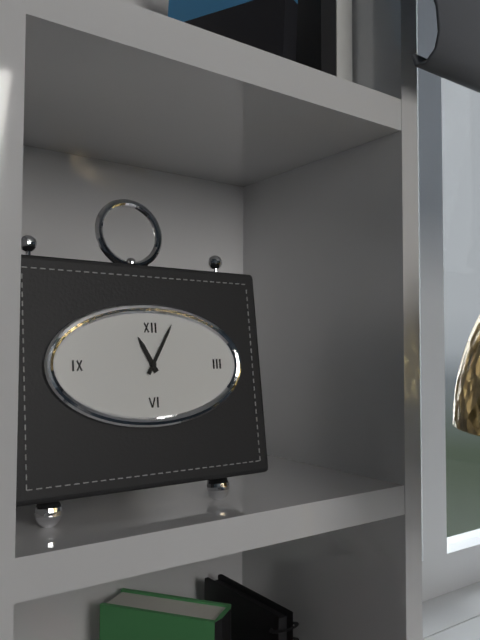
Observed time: 11:05
